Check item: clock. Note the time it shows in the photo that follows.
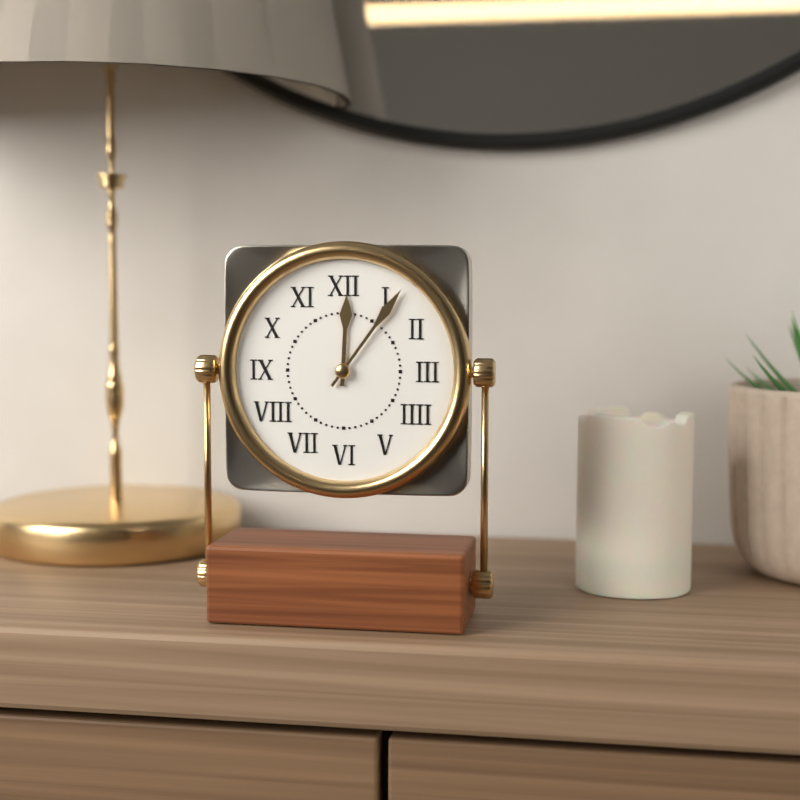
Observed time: 12:06
